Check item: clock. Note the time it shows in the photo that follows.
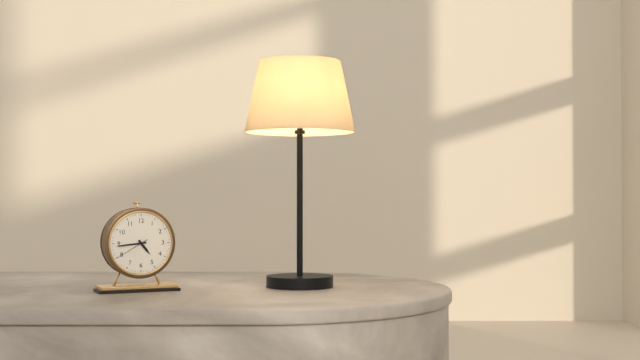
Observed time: 4:44
